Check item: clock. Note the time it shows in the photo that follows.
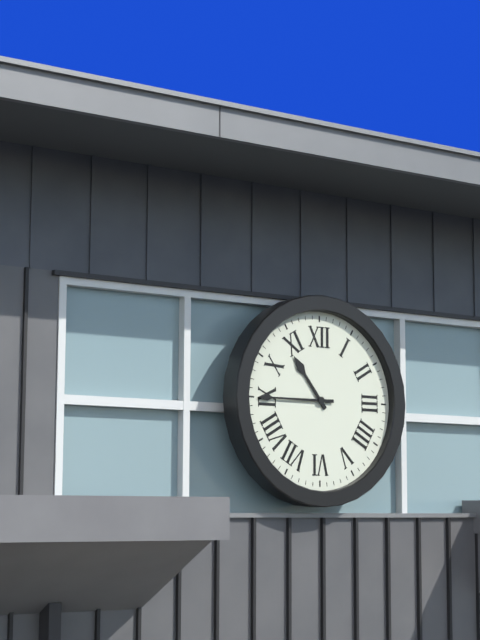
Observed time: 10:45
